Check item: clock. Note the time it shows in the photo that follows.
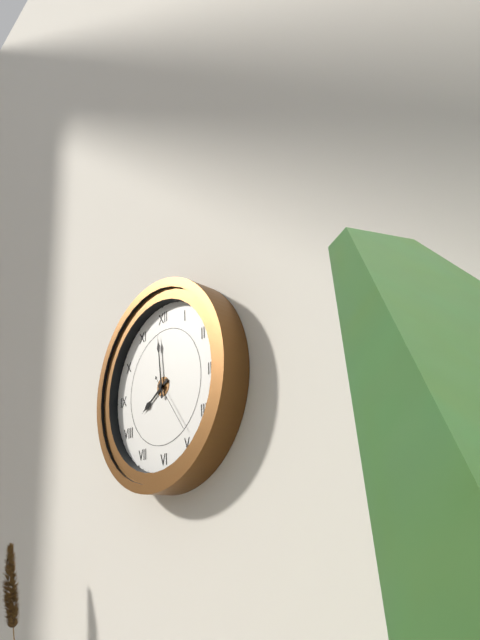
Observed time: 7:59:24
